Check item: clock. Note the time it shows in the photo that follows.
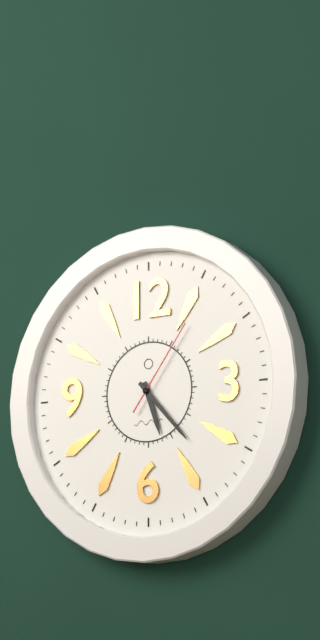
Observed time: 5:23:06
